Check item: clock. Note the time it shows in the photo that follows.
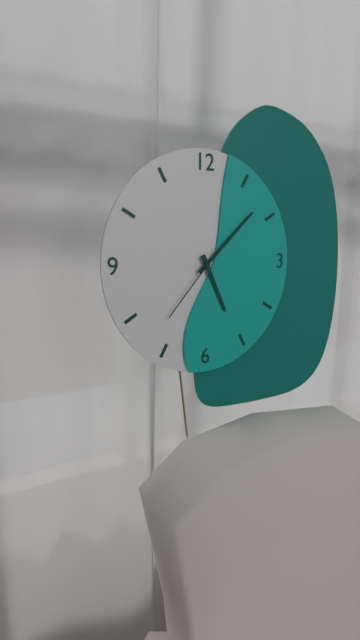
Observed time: 5:08:37
